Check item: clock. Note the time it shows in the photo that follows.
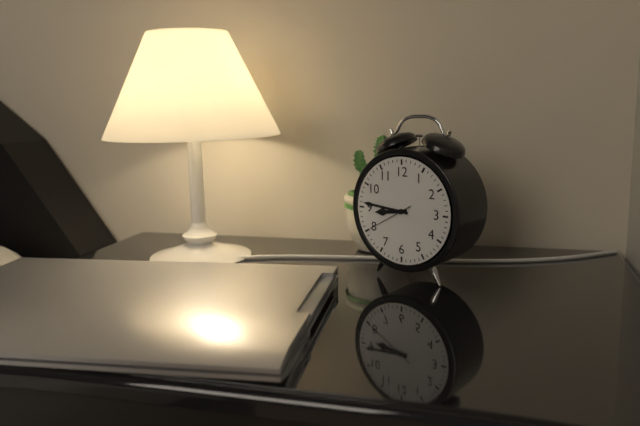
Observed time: 8:46
